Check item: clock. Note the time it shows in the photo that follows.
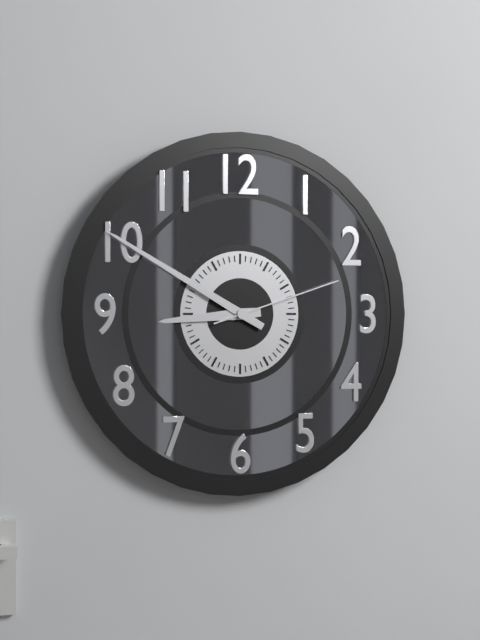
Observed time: 8:50:12
